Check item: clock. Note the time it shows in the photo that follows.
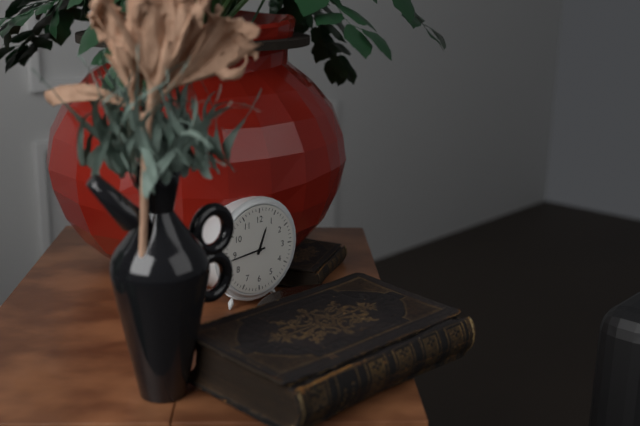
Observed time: 12:44
